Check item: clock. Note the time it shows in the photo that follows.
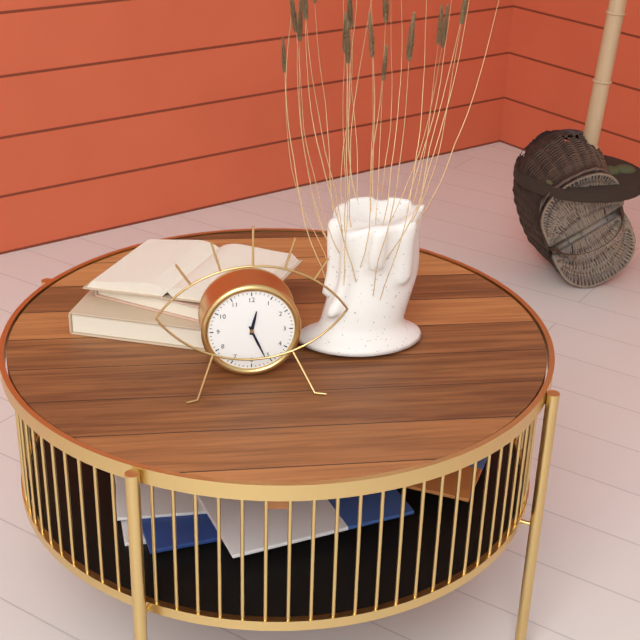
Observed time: 12:26
